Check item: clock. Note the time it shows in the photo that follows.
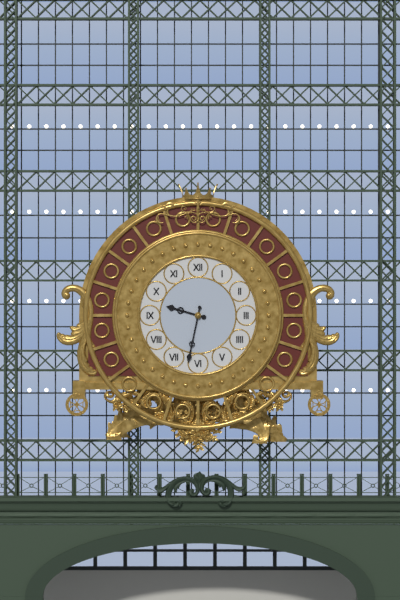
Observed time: 9:32
